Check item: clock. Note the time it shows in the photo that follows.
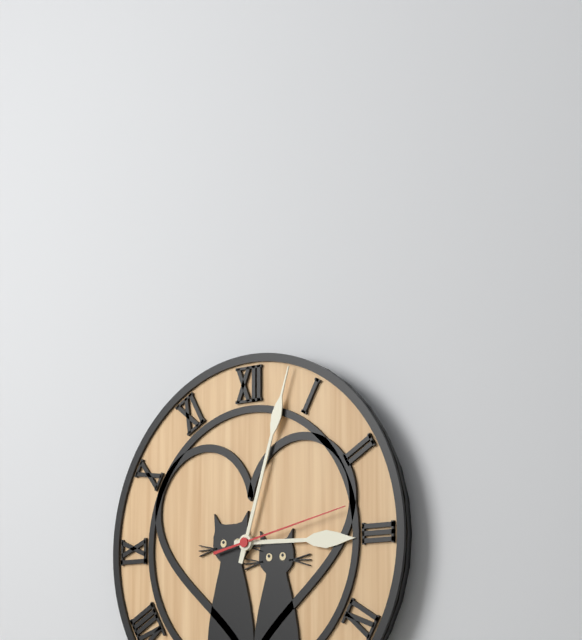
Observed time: 3:03:13
